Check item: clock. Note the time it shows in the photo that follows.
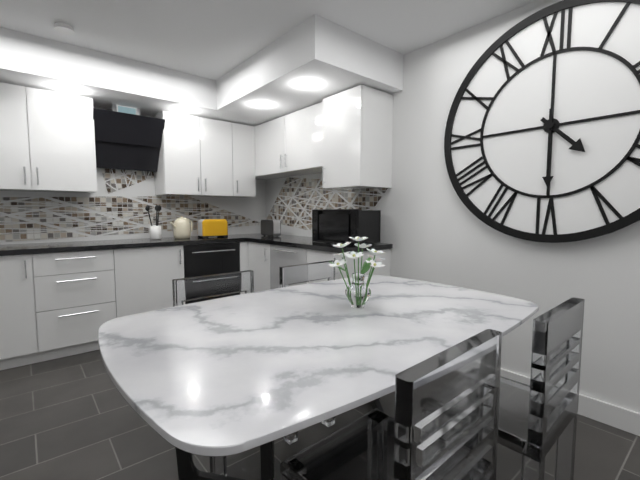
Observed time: 4:30
